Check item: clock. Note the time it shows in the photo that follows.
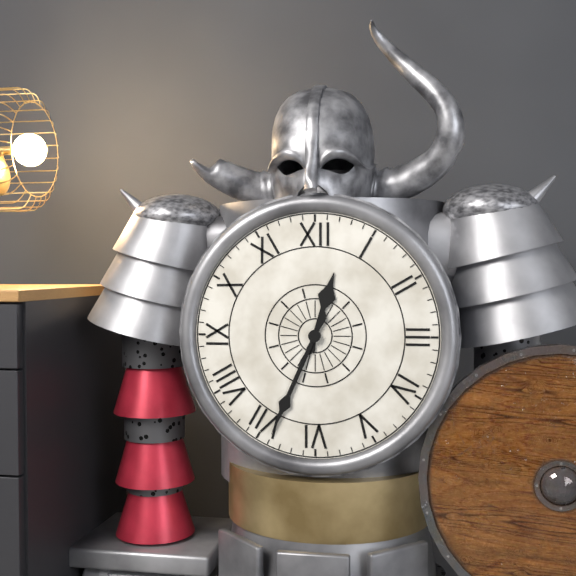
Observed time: 12:34
